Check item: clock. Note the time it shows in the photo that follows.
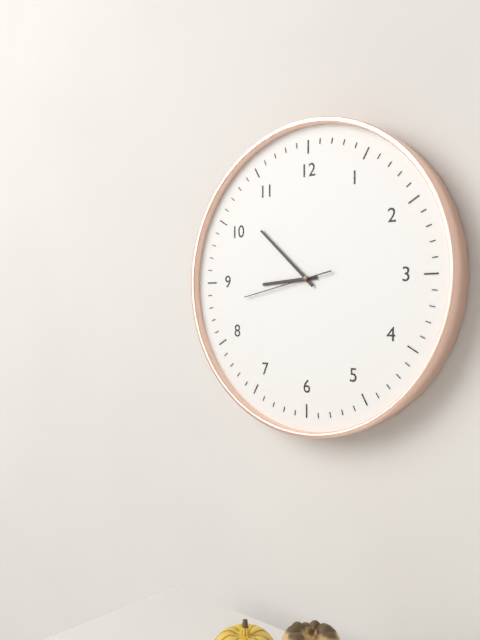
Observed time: 8:52:43
